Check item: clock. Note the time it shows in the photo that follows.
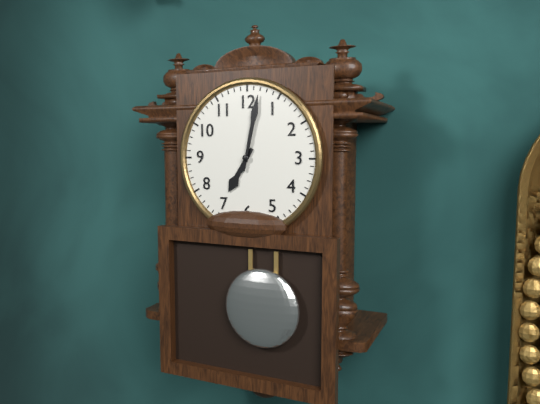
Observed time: 7:02
